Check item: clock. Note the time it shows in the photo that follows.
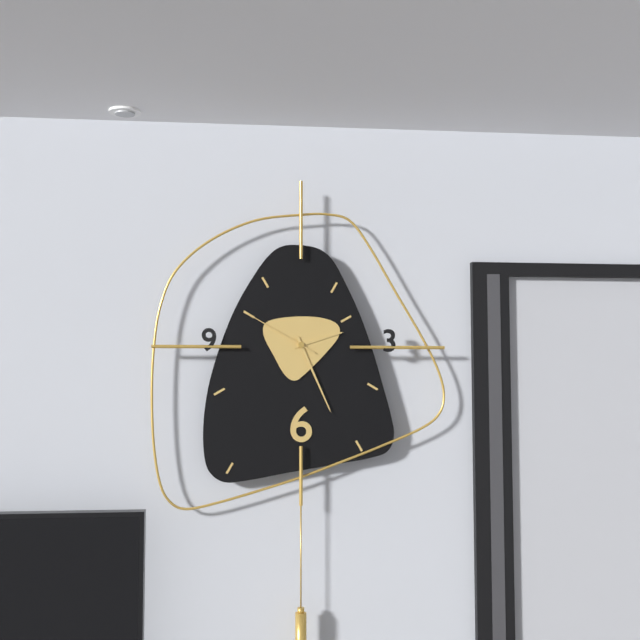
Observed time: 2:26:50
